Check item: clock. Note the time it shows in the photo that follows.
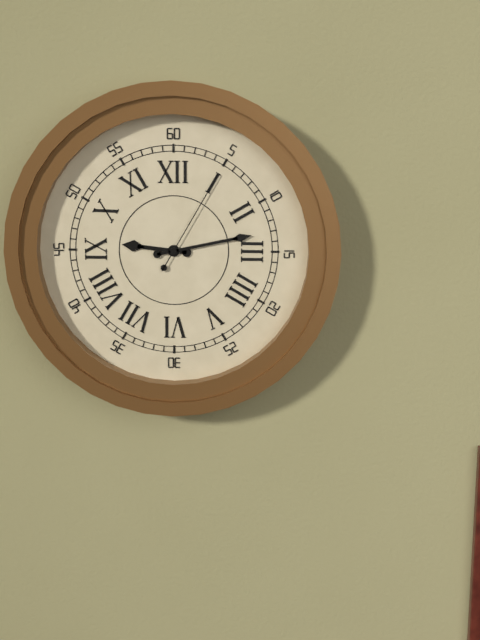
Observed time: 9:13:05
